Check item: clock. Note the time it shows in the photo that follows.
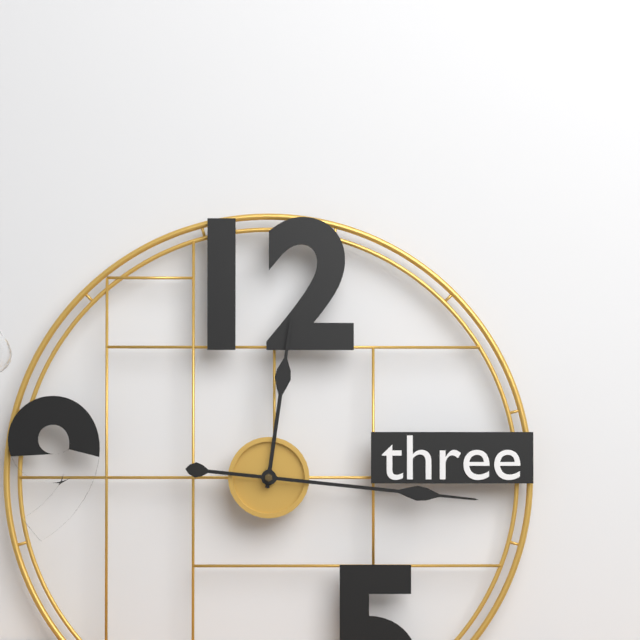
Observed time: 12:16
